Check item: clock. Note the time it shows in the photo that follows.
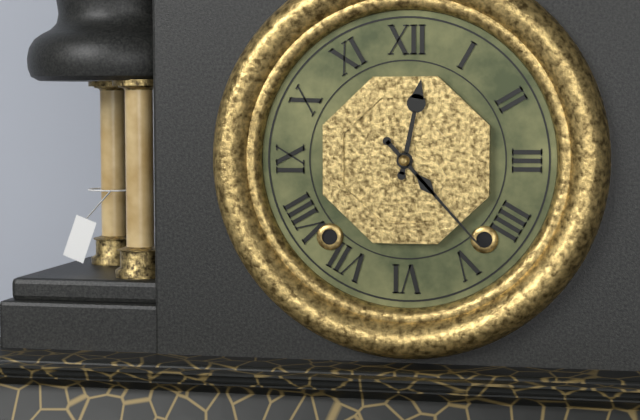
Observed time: 12:23
